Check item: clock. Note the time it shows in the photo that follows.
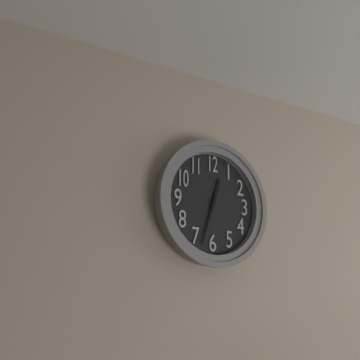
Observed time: 12:33
